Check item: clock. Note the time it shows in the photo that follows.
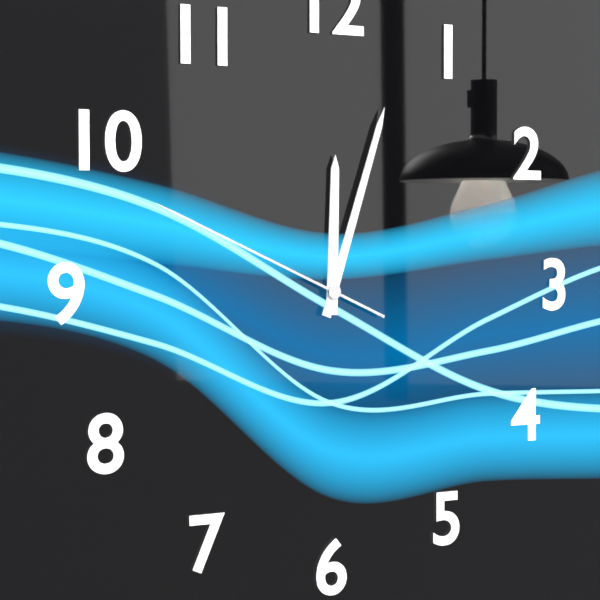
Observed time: 12:03:49
